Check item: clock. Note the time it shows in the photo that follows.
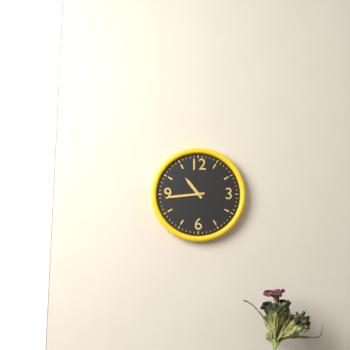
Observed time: 10:44
